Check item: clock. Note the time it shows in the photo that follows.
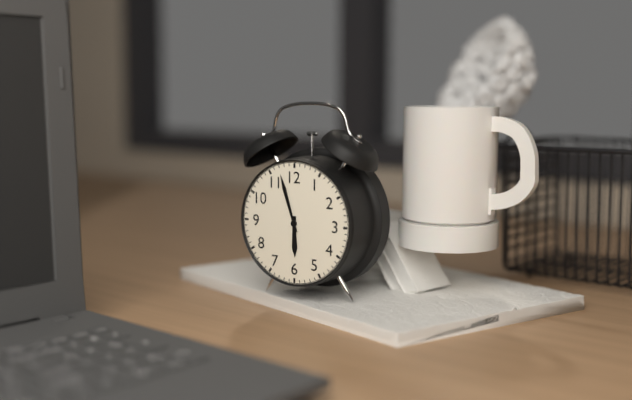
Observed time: 5:57
